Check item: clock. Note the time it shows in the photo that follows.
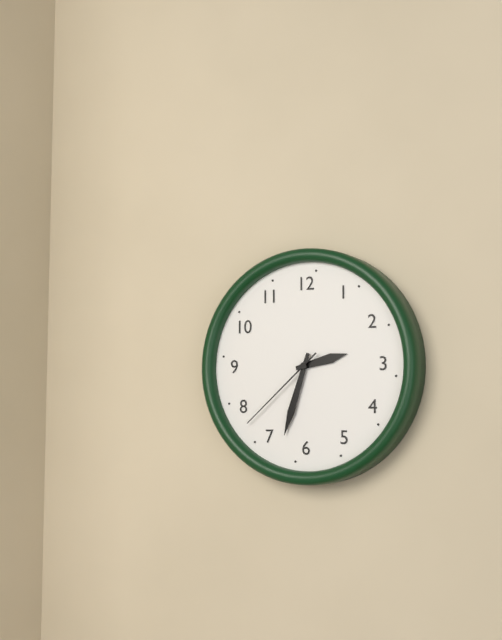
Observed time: 2:33:38
